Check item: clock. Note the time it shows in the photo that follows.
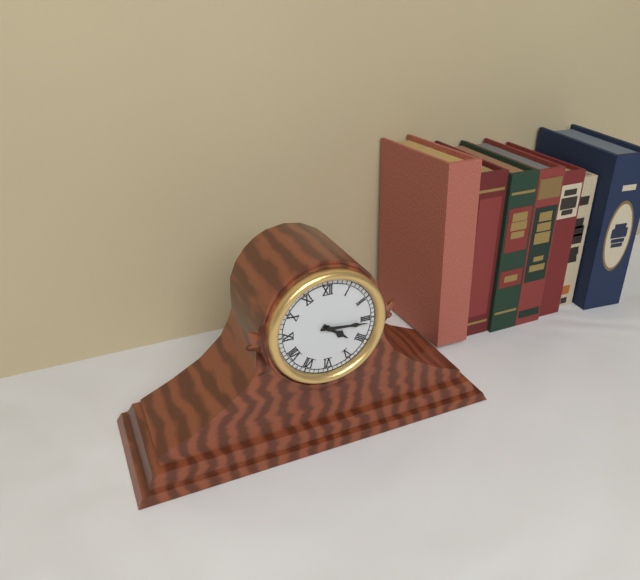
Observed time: 4:16
